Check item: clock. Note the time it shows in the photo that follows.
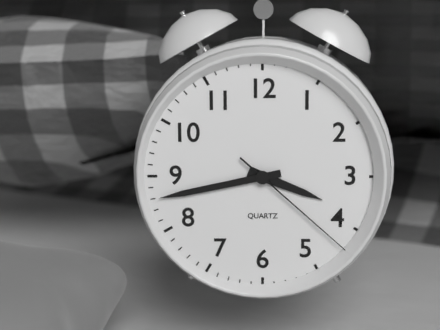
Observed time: 3:43:22
